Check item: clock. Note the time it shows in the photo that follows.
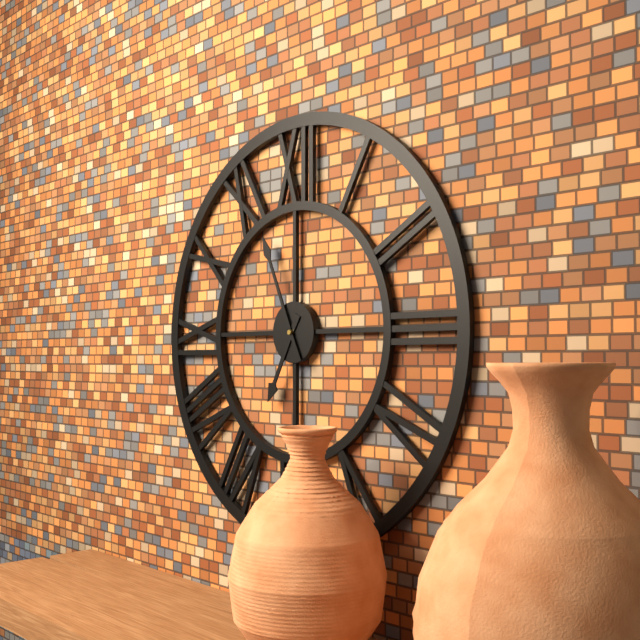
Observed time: 6:56
